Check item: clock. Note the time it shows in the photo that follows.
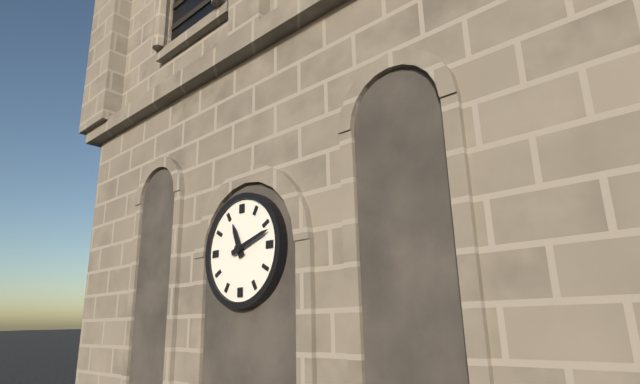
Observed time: 11:12
